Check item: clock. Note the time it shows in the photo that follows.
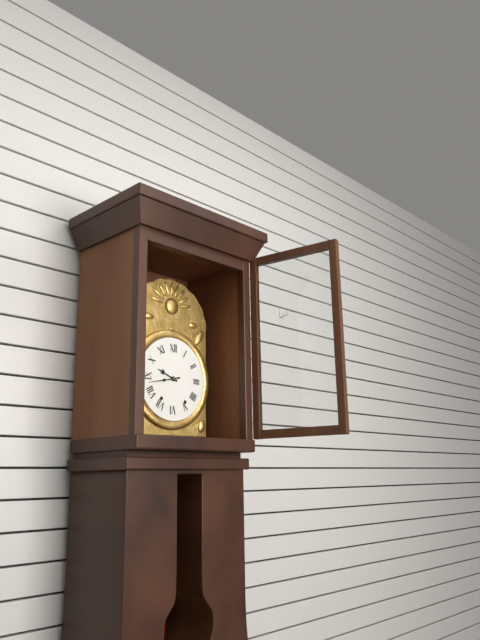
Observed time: 9:43
